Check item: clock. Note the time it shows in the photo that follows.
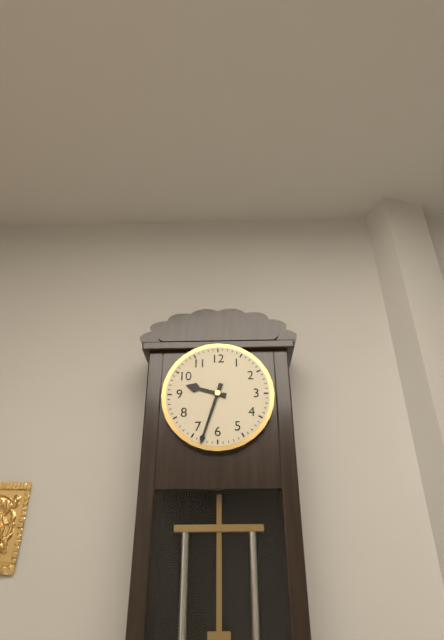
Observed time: 9:33
